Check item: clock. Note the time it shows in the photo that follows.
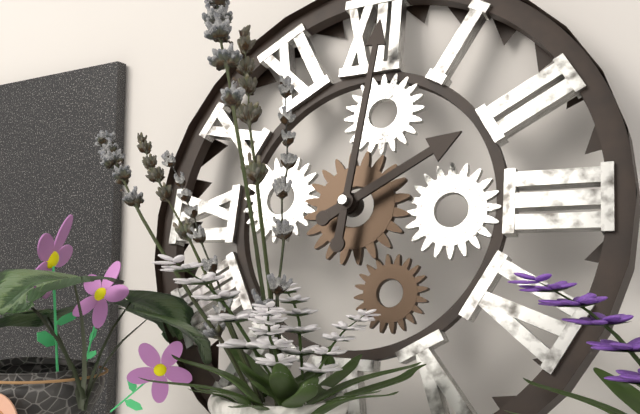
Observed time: 2:01
